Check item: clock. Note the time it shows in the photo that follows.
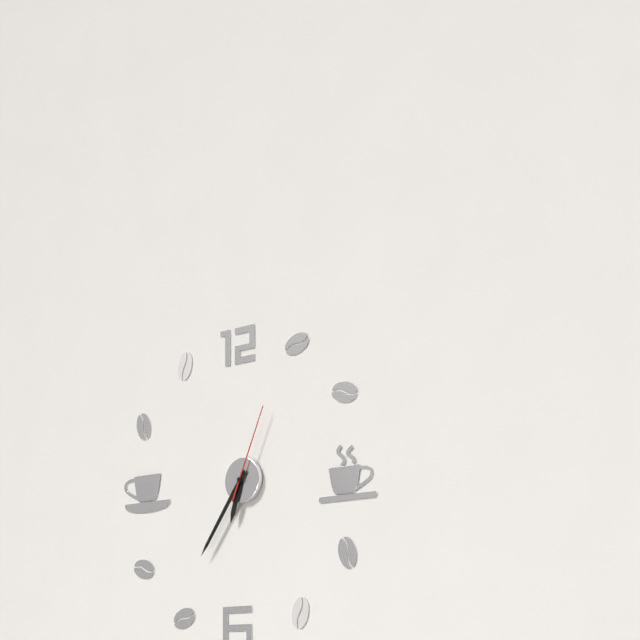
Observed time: 6:36:04
